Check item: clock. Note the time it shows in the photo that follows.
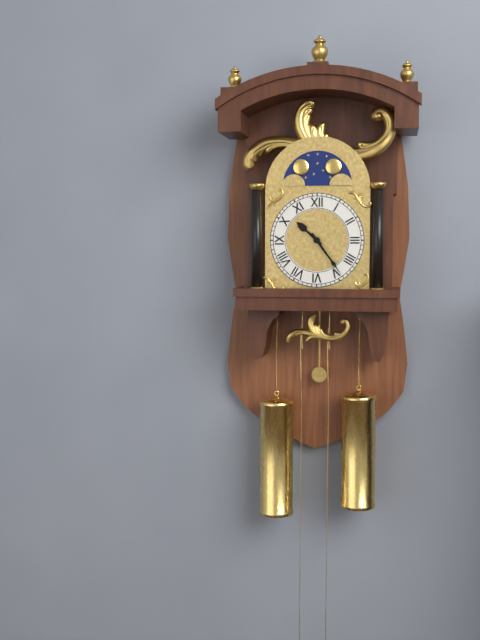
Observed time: 10:24
